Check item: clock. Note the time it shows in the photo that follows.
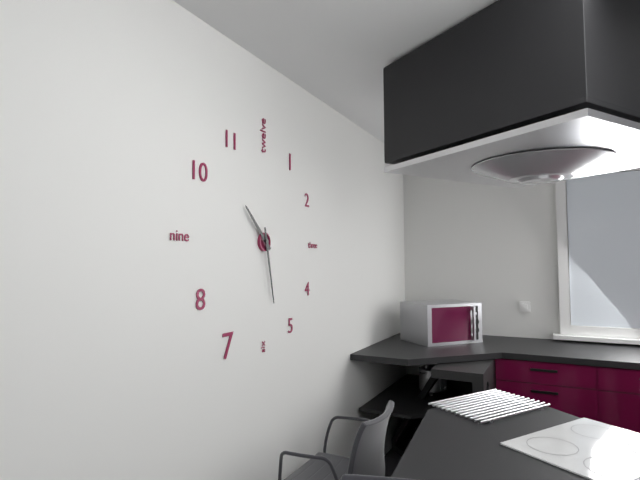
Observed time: 10:28
